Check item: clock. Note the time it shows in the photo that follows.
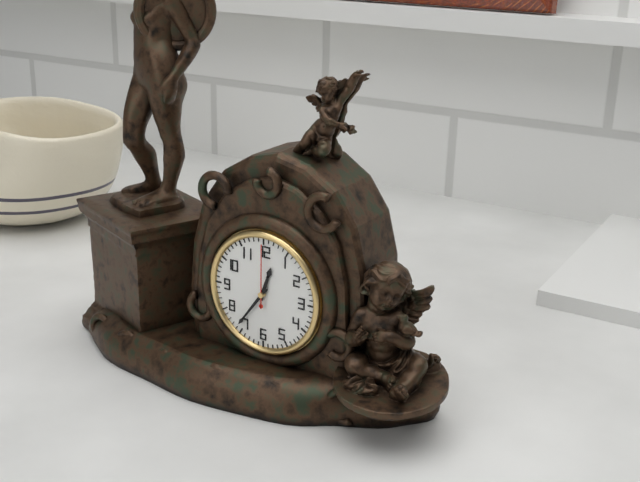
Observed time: 12:36:00
